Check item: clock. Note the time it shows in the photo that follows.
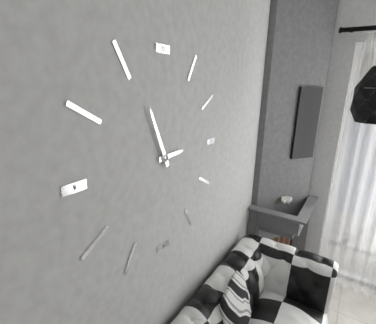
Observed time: 2:56
